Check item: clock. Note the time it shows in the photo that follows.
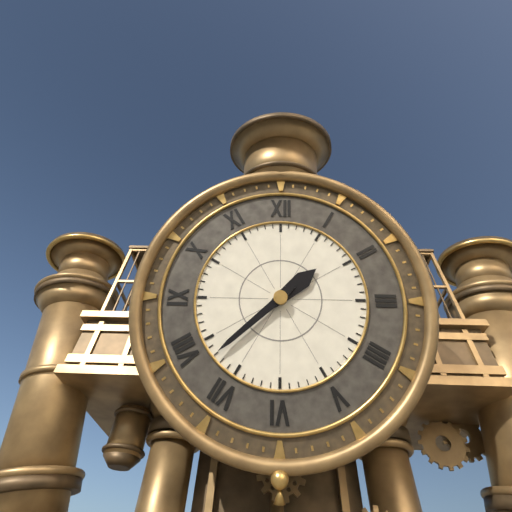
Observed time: 1:38
